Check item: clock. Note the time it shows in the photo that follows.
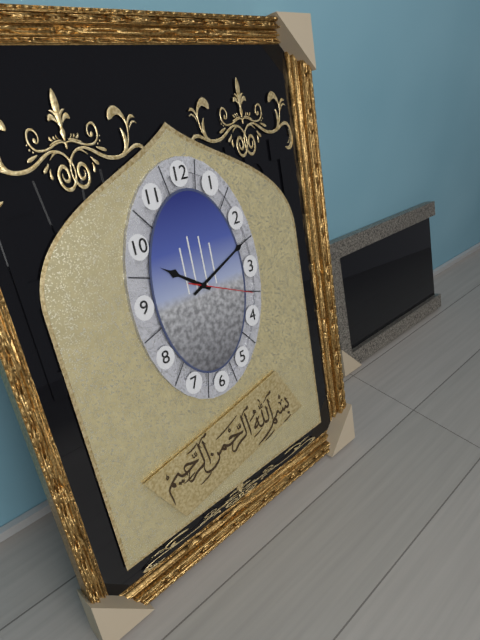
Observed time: 10:11:19
